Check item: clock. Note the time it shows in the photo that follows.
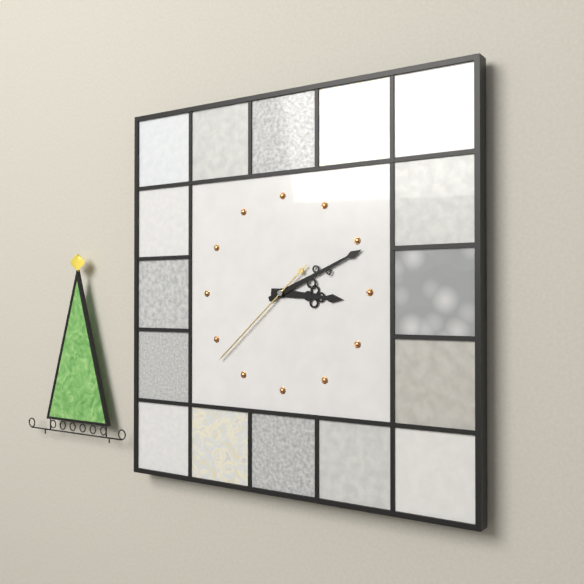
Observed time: 3:11:38
